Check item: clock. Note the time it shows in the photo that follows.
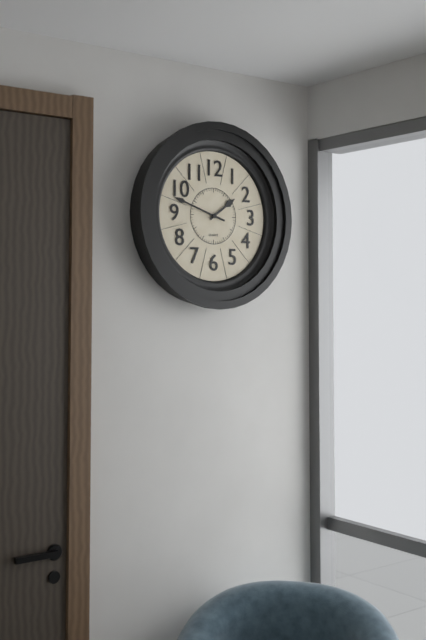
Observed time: 1:48
